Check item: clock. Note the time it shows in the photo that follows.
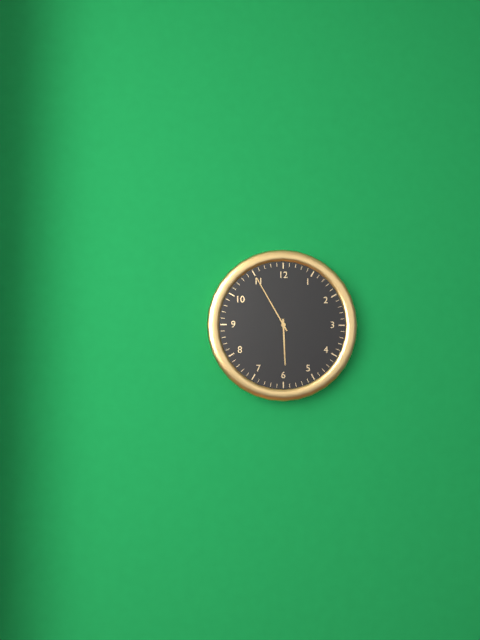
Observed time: 5:55
